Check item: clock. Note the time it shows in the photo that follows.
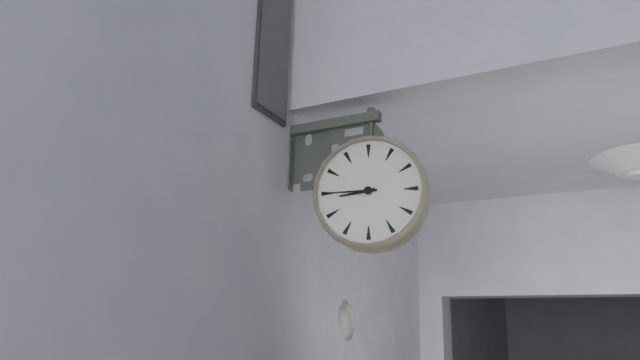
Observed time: 8:45
